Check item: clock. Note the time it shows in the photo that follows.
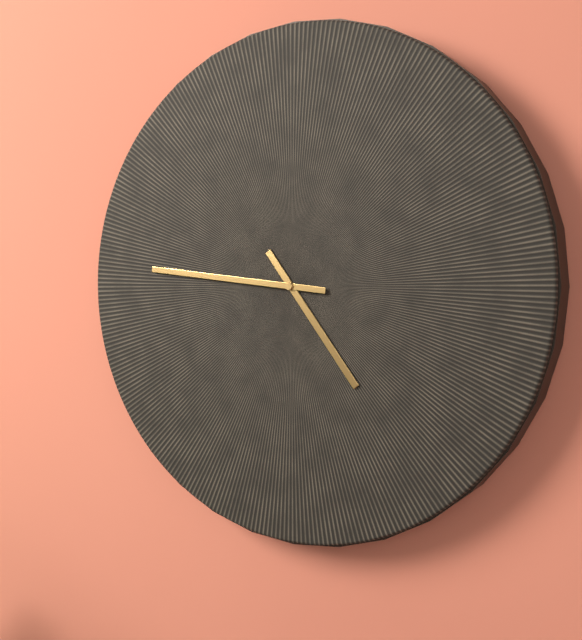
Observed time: 4:46
